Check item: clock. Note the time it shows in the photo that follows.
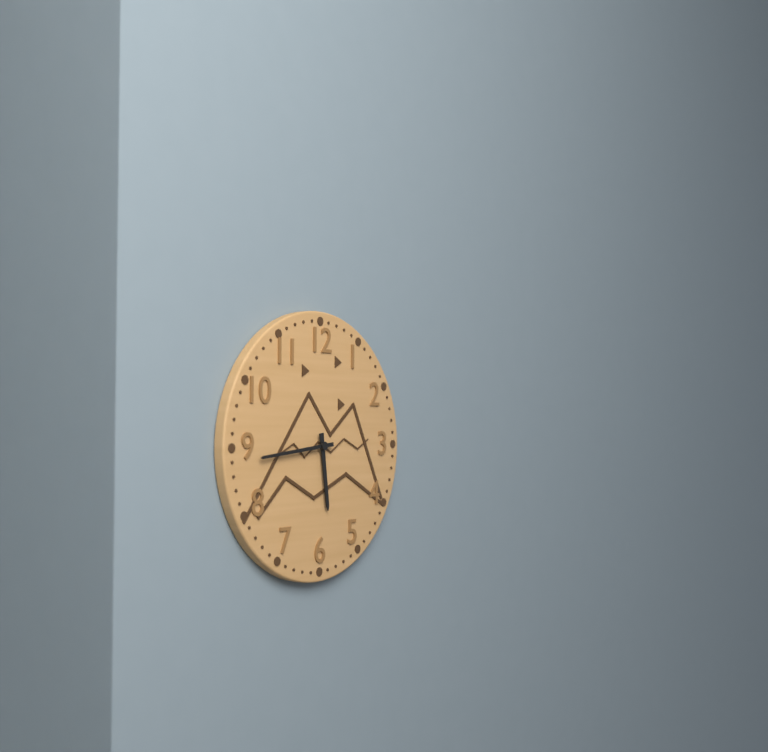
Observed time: 5:44
